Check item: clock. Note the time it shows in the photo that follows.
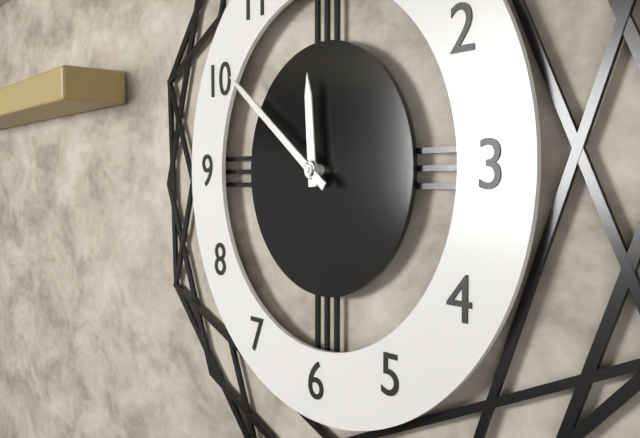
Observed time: 11:51
